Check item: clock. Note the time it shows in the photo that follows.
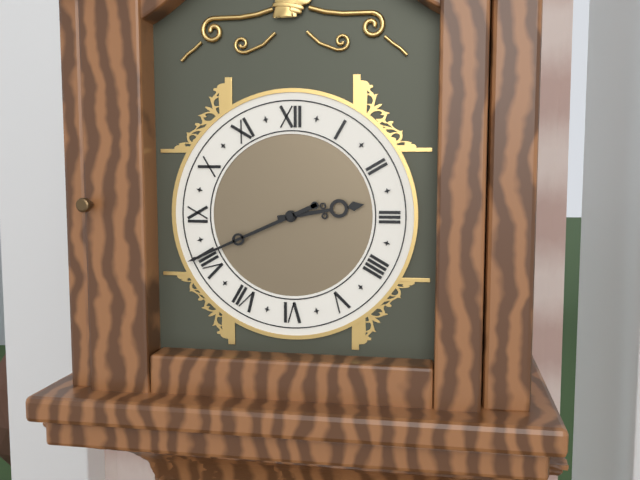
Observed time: 2:41
